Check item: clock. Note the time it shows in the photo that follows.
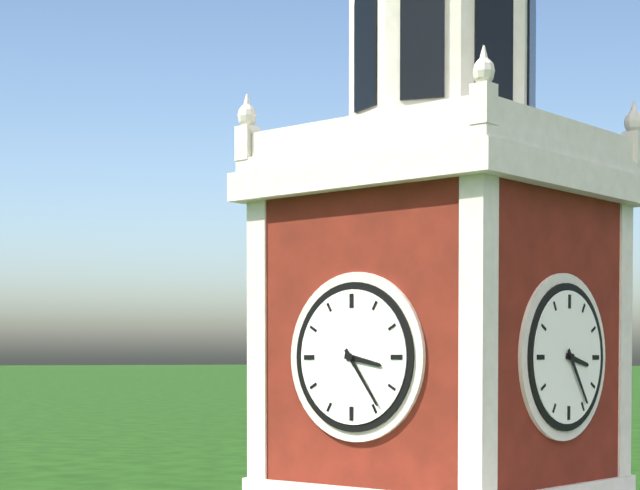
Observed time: 3:24
